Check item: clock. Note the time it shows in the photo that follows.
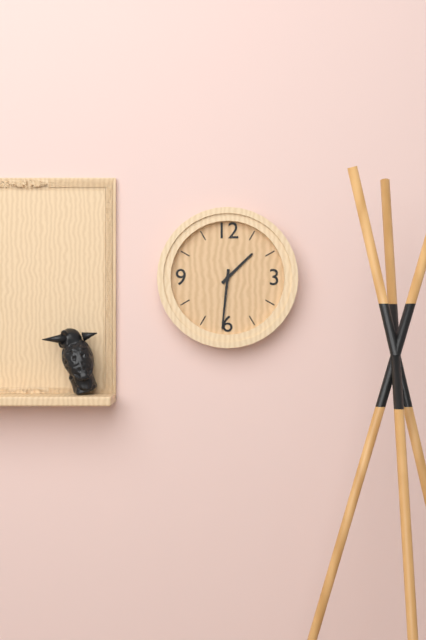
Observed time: 1:31
